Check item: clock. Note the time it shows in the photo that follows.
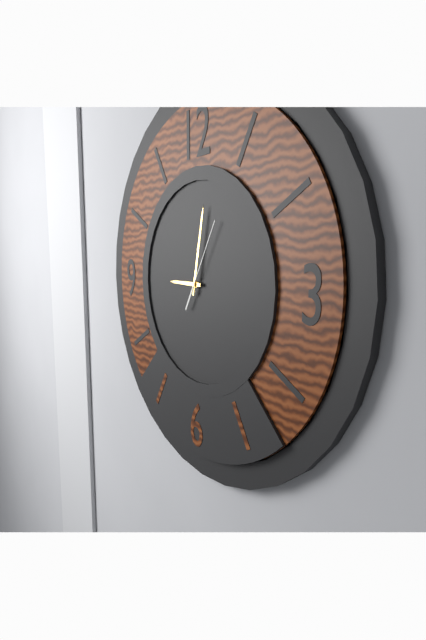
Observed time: 9:02:05
